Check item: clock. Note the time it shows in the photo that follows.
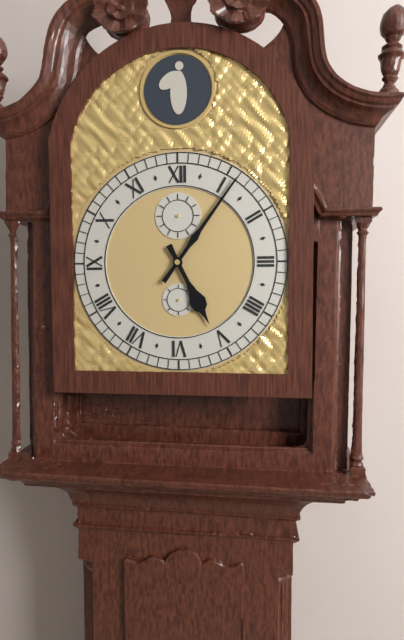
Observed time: 5:06
